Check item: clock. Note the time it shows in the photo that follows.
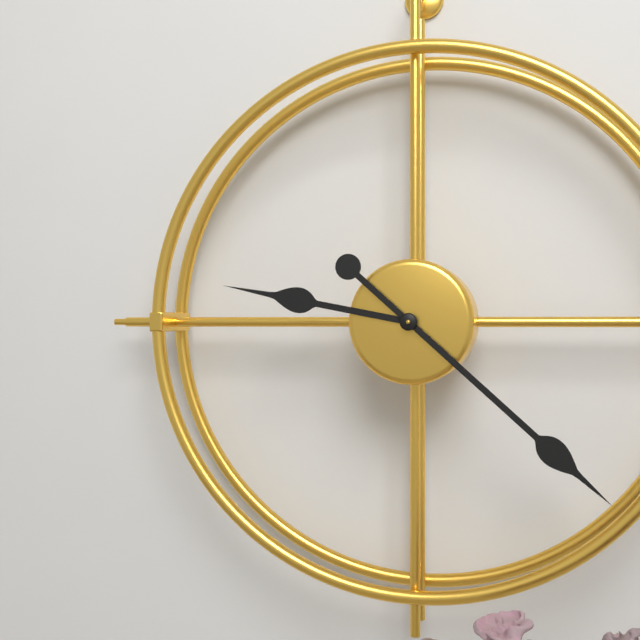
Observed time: 9:22
